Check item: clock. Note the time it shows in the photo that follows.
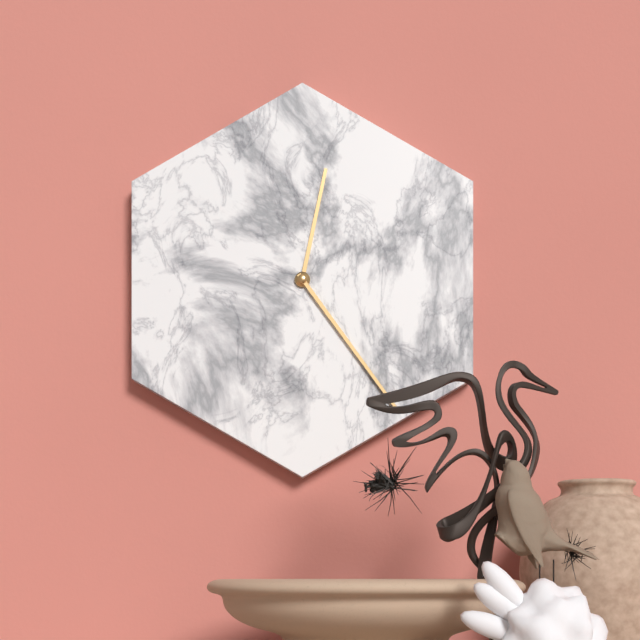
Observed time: 12:24
